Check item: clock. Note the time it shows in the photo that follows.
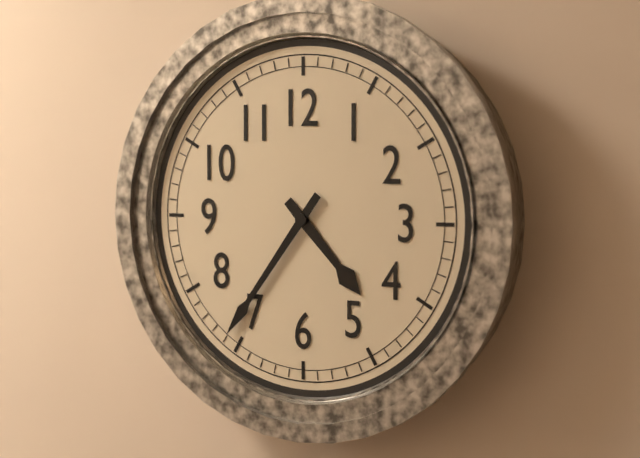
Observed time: 4:36
